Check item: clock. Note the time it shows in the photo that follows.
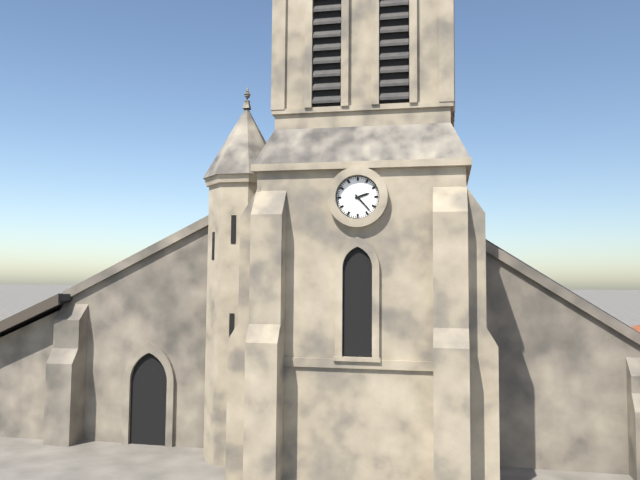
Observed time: 2:23
